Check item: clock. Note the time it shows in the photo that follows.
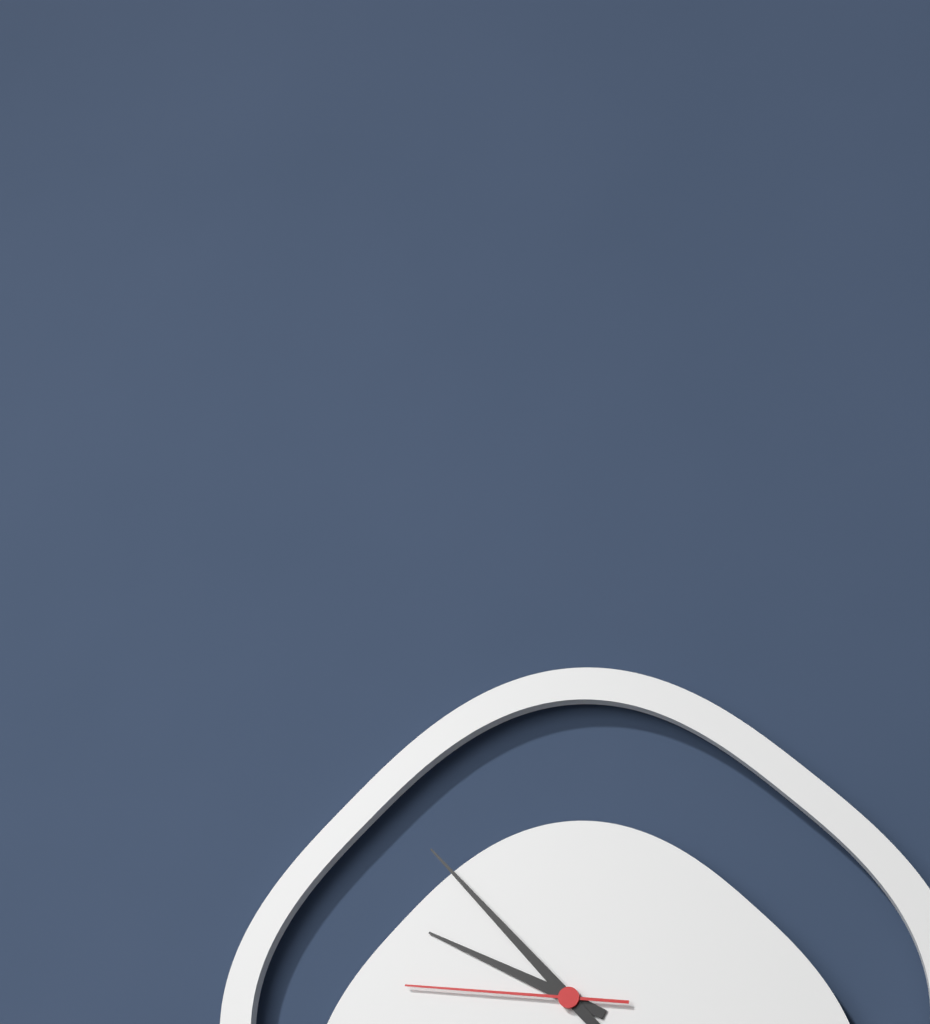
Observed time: 9:53:46
